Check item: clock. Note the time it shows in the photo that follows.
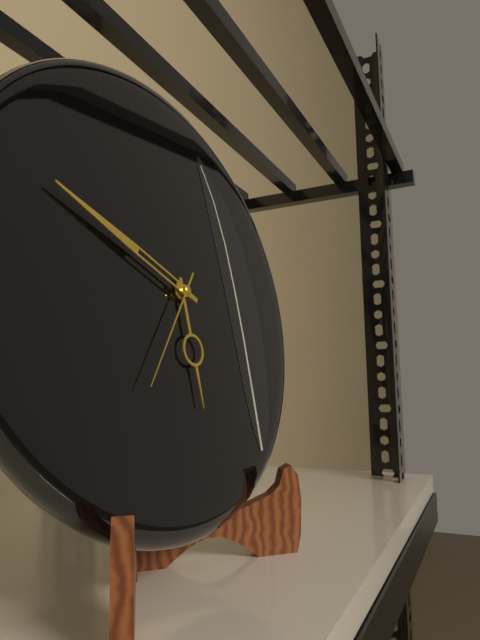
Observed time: 5:49:36
